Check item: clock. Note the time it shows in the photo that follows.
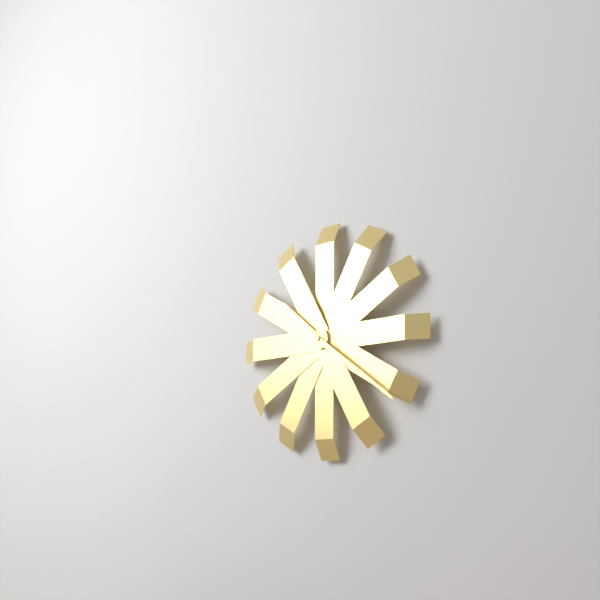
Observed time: 10:21
